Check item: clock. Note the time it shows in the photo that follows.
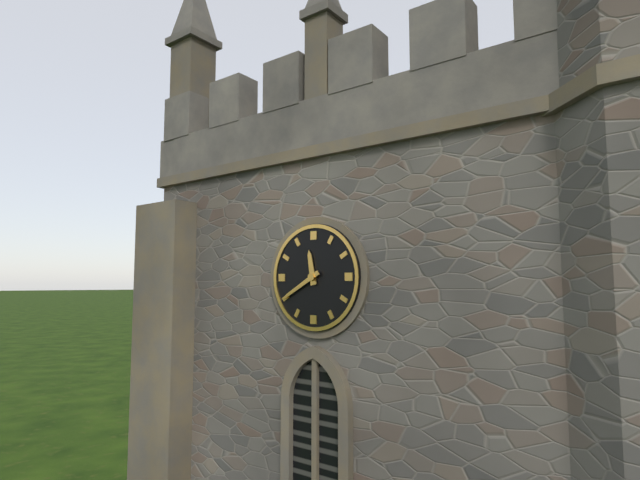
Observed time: 11:40
